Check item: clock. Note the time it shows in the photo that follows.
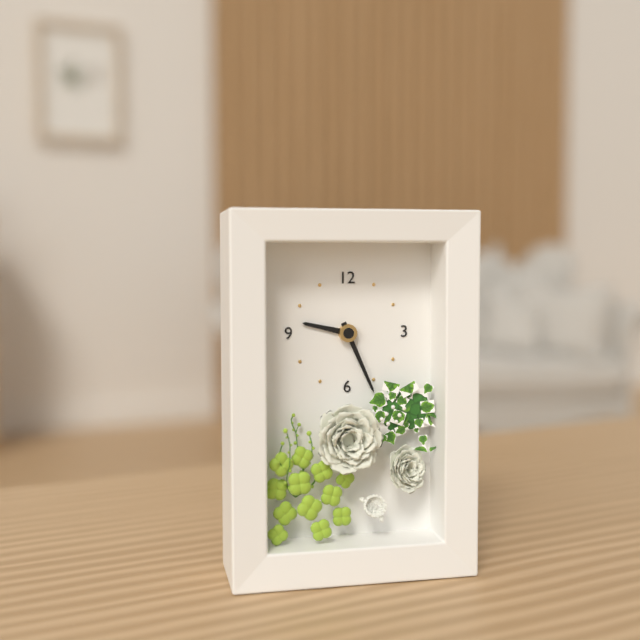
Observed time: 9:26
